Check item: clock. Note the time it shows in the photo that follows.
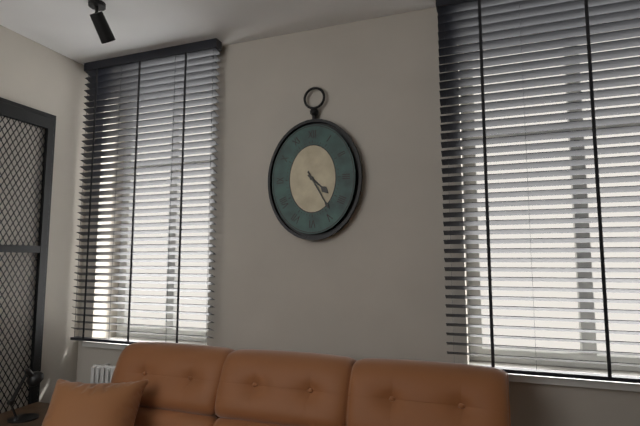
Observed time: 4:25
